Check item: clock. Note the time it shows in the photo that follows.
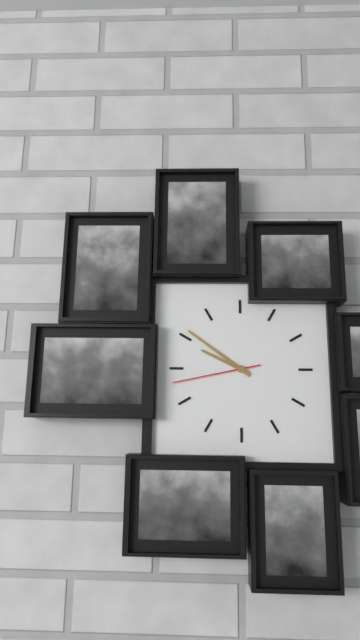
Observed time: 9:51:43
